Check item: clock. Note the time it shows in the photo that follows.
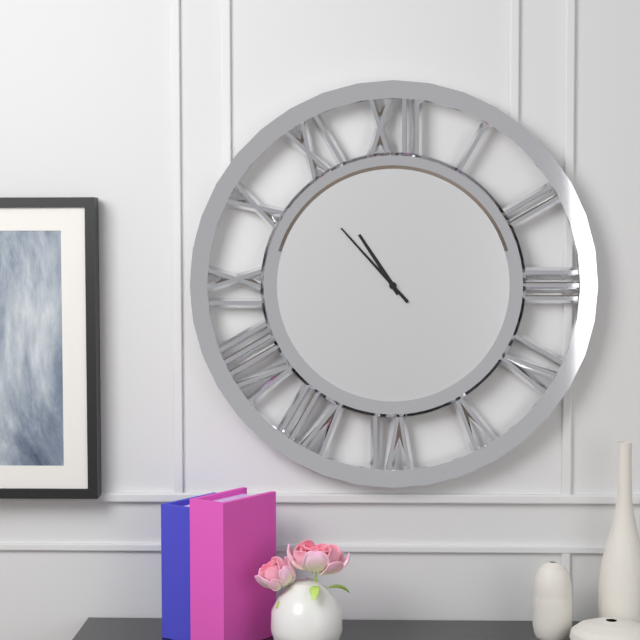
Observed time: 10:53
